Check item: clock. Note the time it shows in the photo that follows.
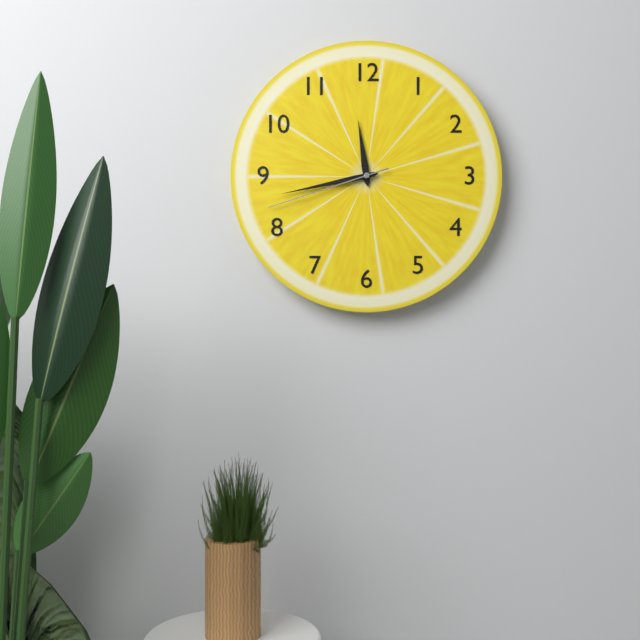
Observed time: 11:43:42
